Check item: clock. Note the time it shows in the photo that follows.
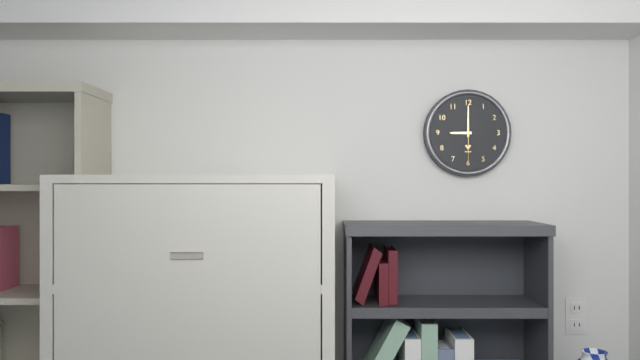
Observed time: 9:00
